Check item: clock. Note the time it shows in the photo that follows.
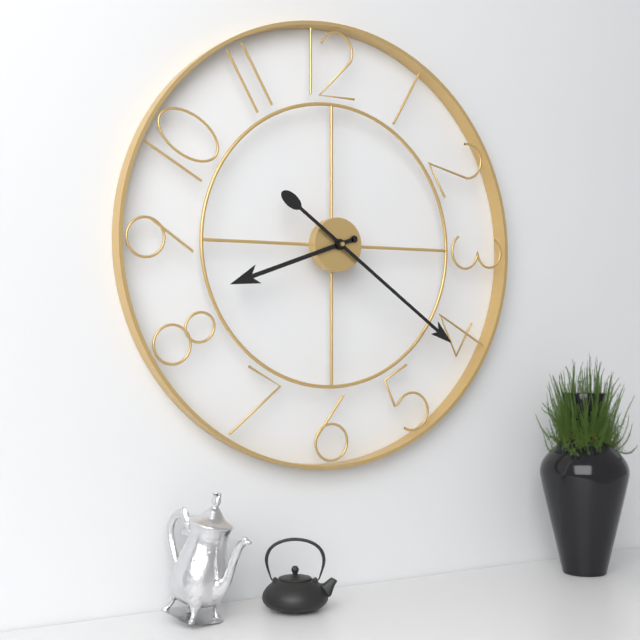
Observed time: 8:21
